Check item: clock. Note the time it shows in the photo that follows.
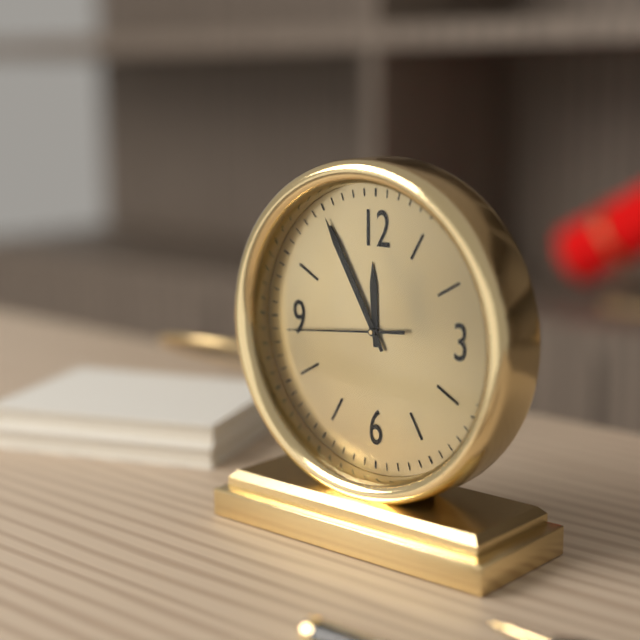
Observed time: 11:55:44
